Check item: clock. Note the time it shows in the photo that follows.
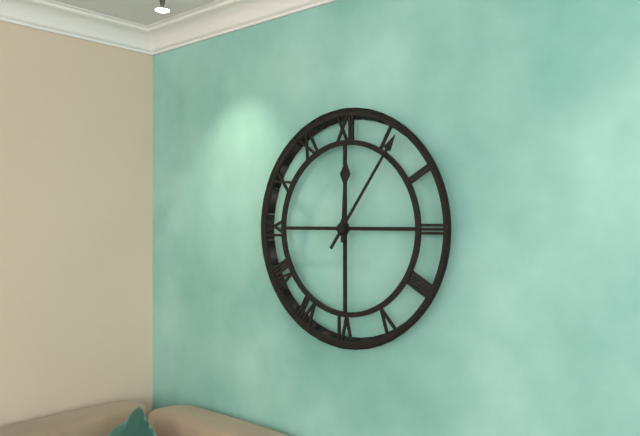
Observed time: 12:06
